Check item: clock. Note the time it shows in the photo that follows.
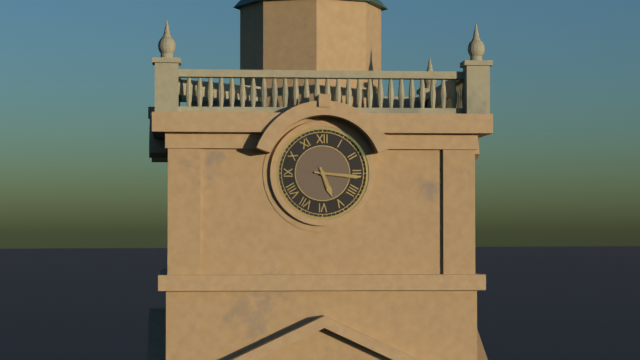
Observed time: 5:16
